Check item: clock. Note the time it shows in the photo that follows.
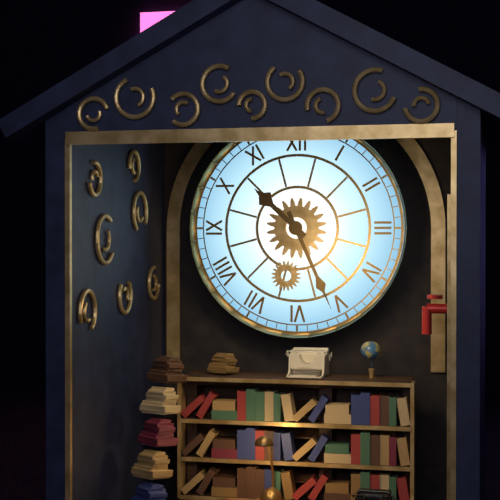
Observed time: 10:26
